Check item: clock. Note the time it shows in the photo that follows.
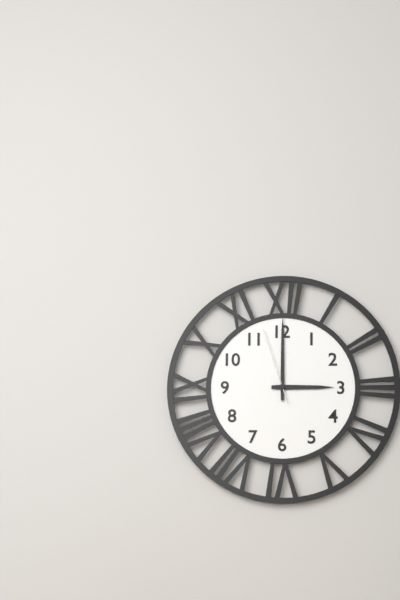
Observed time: 3:00:57
